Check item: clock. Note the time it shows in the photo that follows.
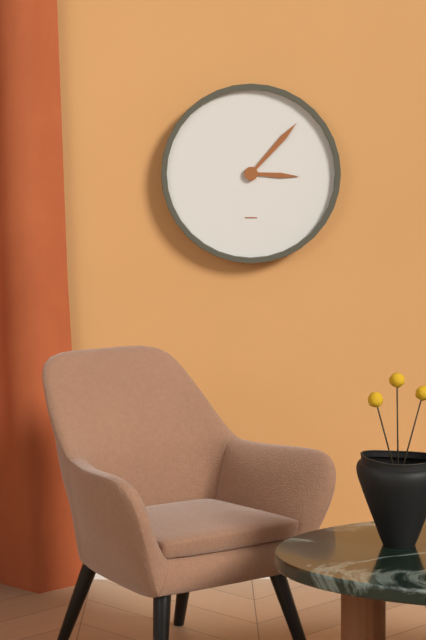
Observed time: 3:07
